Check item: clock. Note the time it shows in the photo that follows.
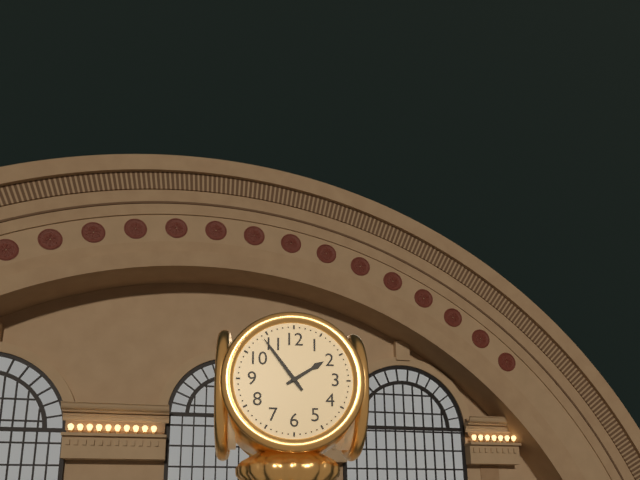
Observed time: 1:54
